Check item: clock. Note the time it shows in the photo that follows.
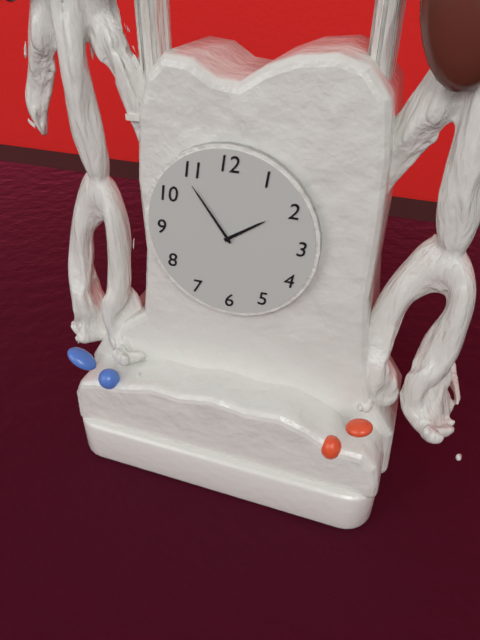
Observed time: 1:54
